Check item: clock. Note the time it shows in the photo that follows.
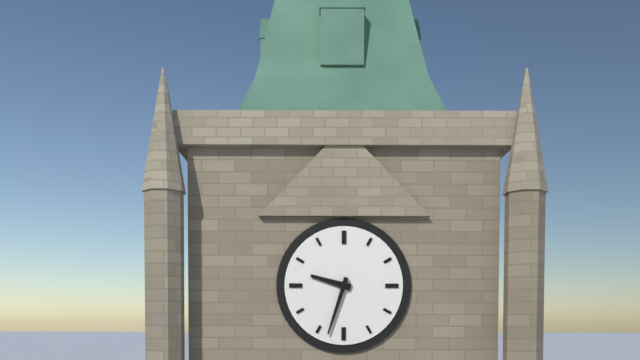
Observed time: 9:33
